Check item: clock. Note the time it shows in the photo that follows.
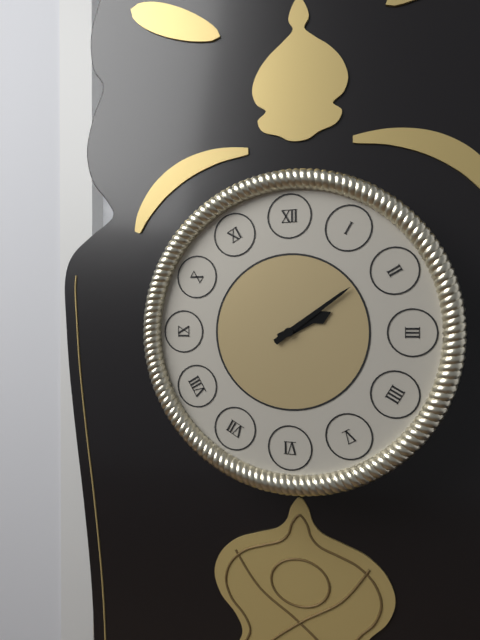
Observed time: 2:09
